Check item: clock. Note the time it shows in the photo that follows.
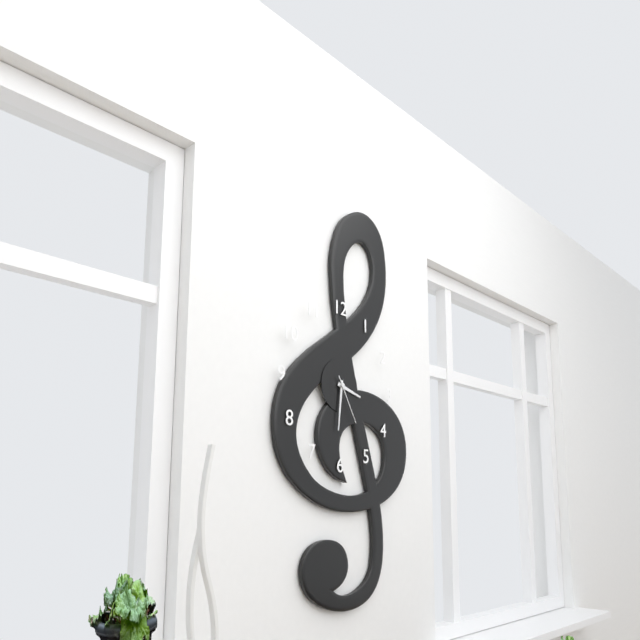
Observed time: 3:31:25
